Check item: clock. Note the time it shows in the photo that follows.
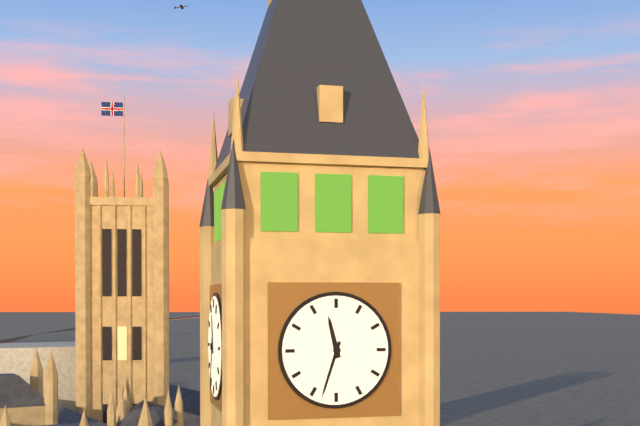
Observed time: 11:33
